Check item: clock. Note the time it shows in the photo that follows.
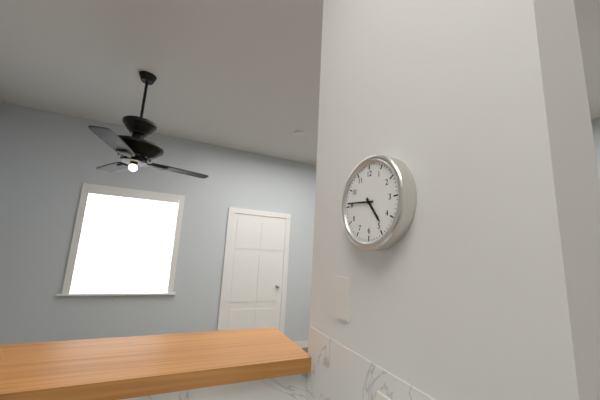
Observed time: 4:46
